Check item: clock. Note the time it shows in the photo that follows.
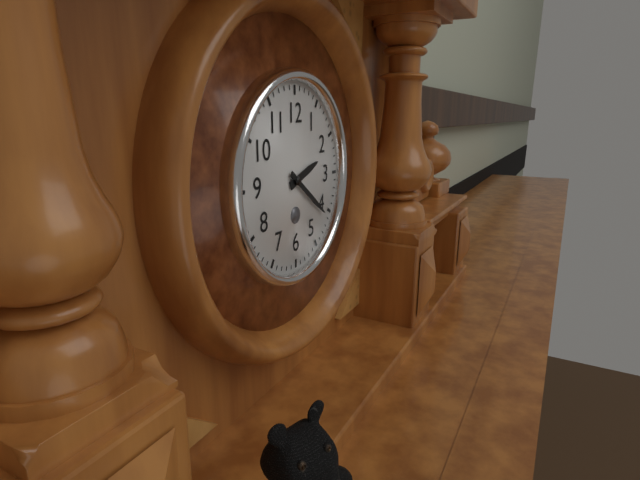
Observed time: 2:21
